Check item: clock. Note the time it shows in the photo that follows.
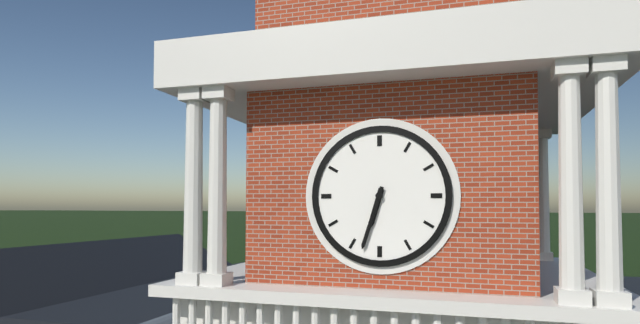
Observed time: 6:33
